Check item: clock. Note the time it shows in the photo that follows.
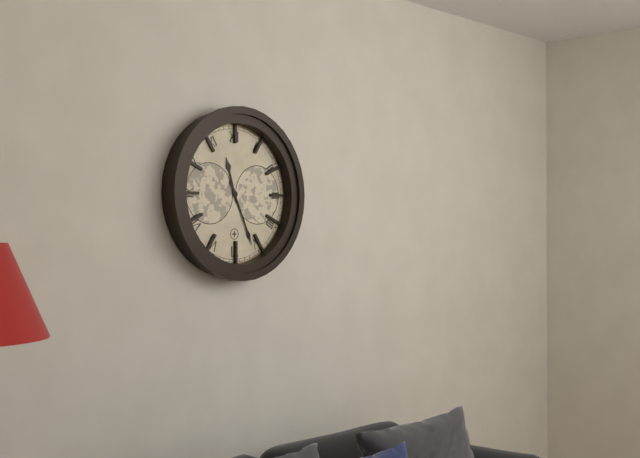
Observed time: 11:26
